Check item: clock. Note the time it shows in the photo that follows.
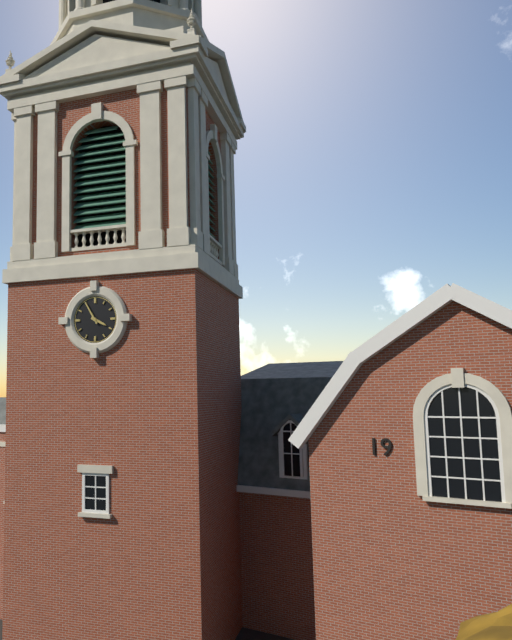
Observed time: 3:55
